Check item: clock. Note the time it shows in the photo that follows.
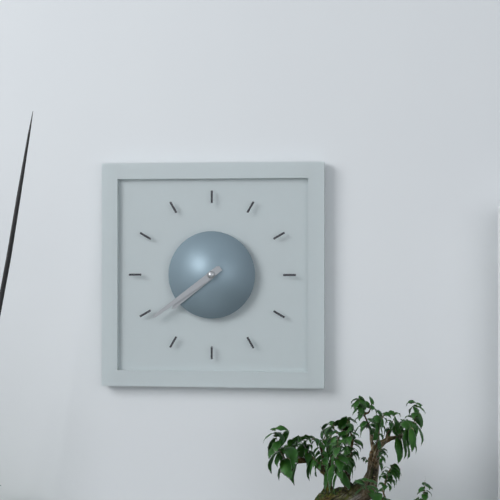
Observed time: 7:39
